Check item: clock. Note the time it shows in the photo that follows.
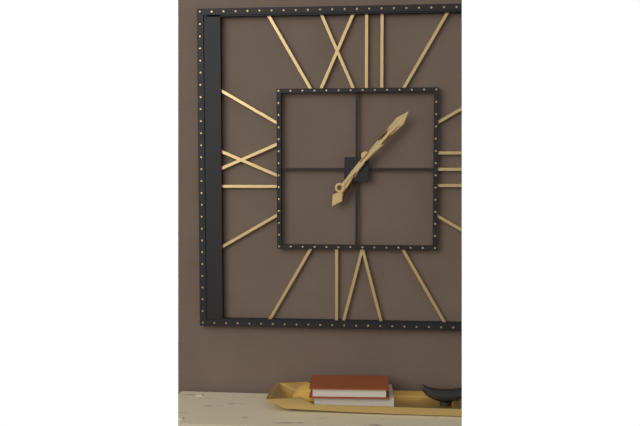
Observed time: 7:07
